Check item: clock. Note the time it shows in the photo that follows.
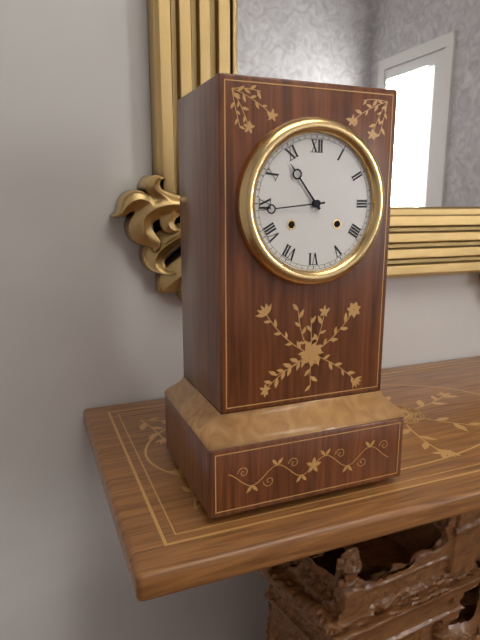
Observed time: 10:44
